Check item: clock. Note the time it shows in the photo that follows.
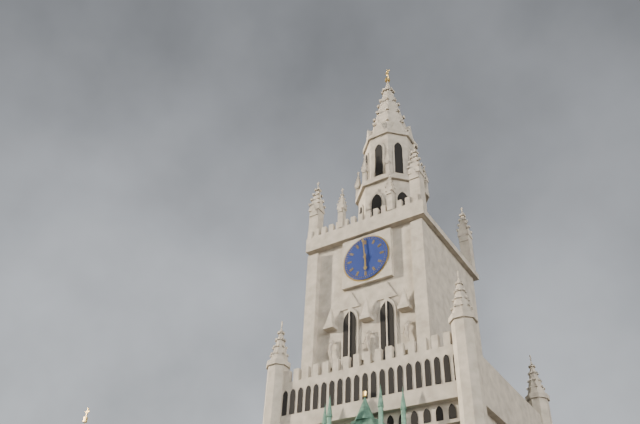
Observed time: 5:59
